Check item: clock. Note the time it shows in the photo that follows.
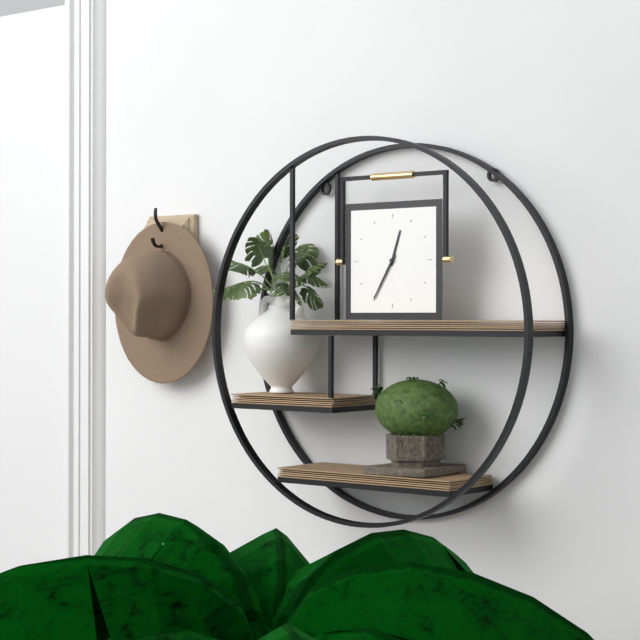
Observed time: 12:35
